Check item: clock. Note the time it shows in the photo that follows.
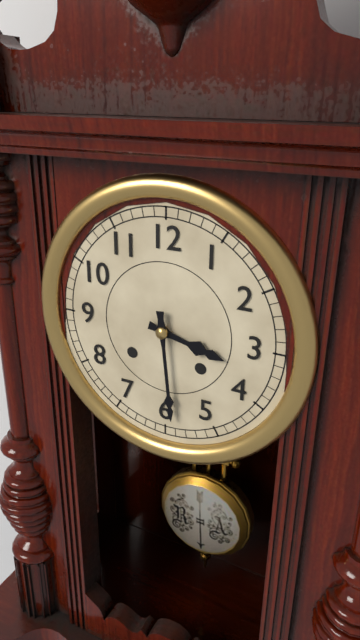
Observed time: 3:29
